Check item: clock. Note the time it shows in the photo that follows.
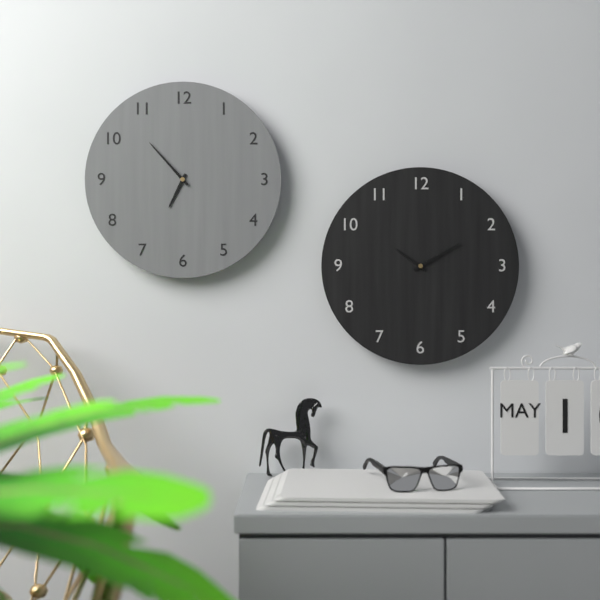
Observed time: 6:53
